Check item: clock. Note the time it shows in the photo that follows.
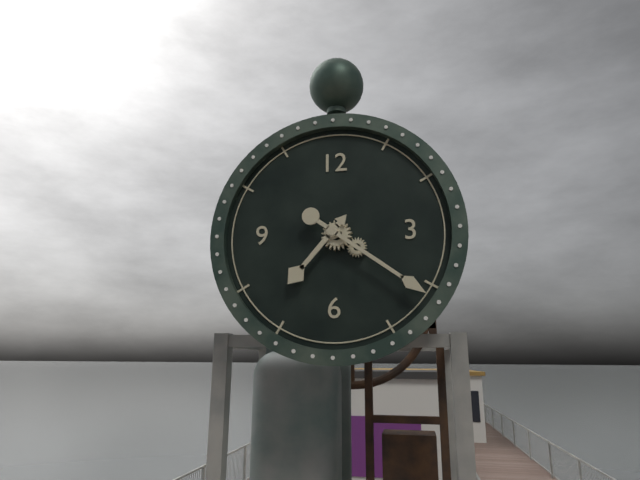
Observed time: 7:21
